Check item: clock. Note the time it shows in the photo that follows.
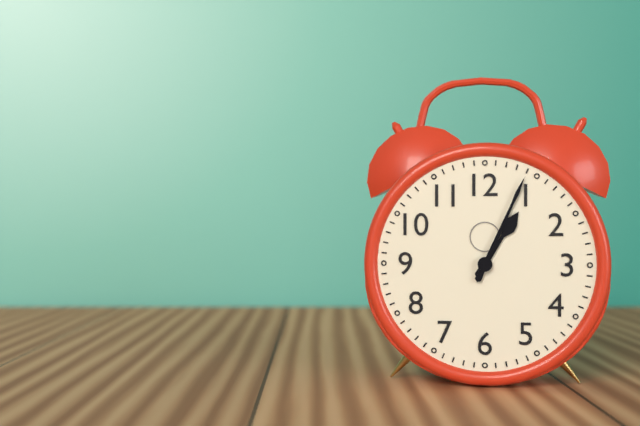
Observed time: 1:04
